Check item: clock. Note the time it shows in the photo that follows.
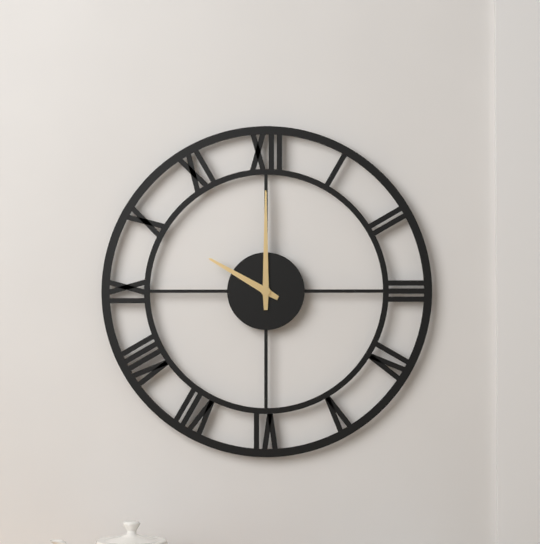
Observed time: 10:00
